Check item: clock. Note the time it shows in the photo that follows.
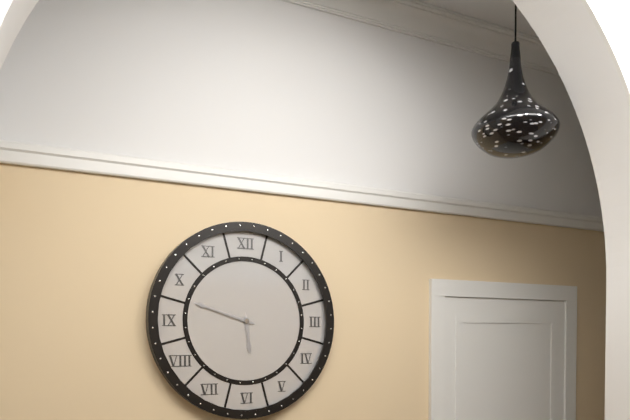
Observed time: 5:48
